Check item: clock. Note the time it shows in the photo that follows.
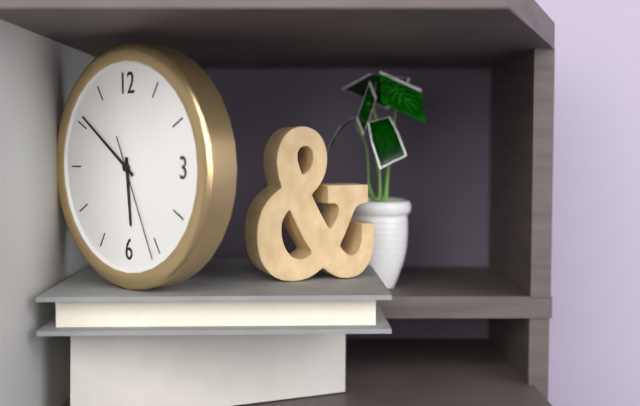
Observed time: 5:51:26
